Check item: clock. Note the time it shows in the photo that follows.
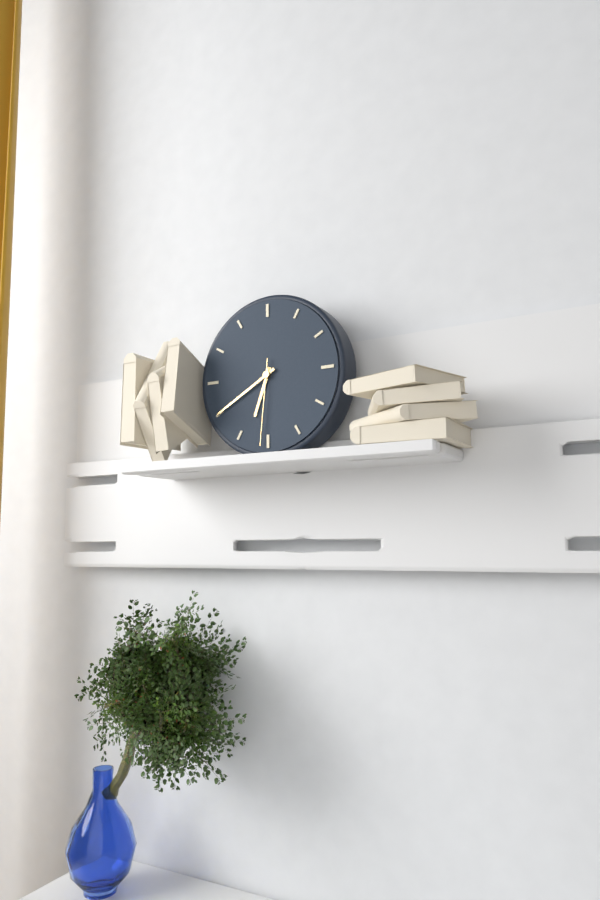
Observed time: 6:40:31
